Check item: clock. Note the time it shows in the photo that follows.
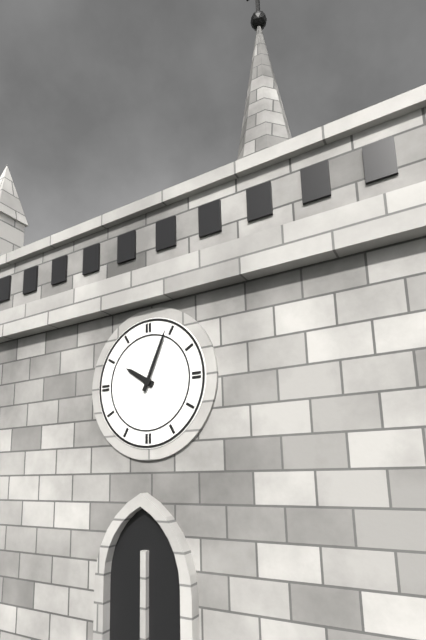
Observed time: 10:04
